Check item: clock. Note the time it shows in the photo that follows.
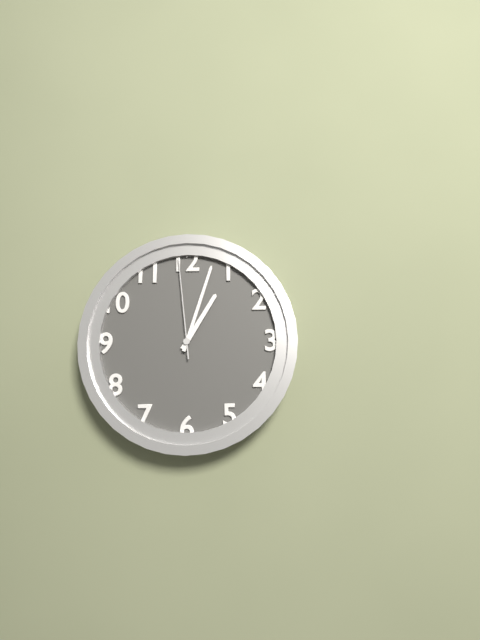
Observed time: 1:03:59
